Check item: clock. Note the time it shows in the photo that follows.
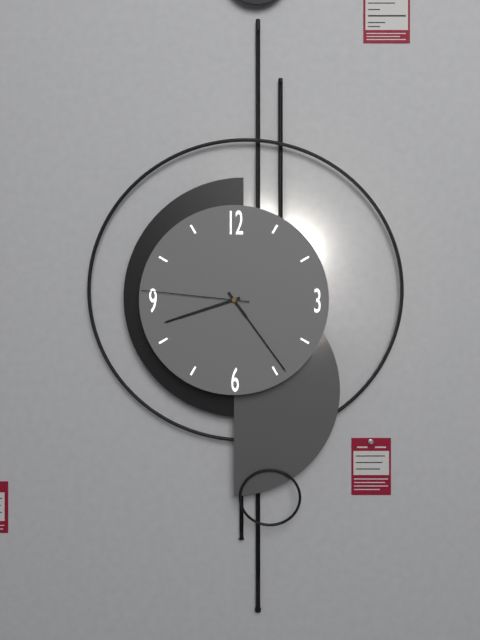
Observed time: 8:24:46
